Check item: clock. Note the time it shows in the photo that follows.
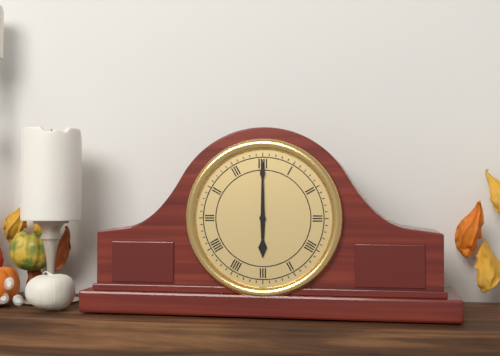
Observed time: 6:00
